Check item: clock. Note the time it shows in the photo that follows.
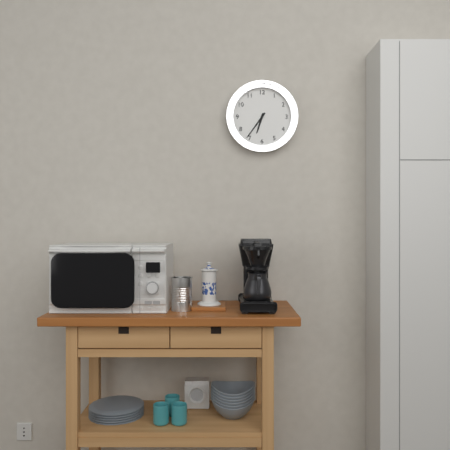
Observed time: 6:36
